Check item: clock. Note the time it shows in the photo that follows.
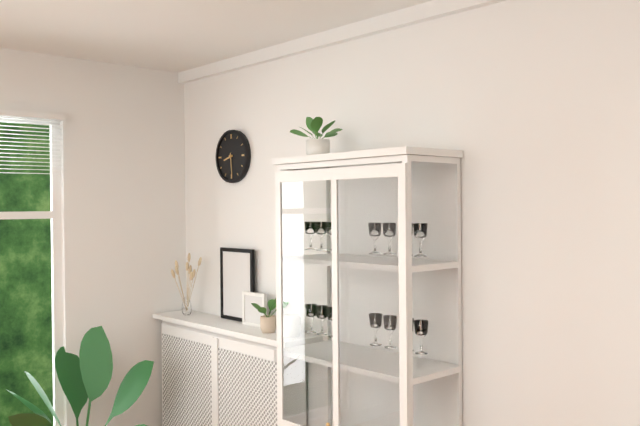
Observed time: 8:29
